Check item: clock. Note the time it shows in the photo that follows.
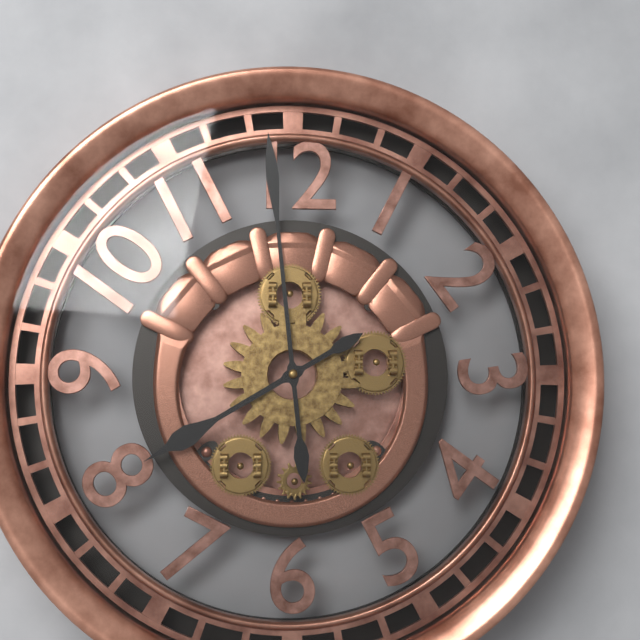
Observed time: 7:59
